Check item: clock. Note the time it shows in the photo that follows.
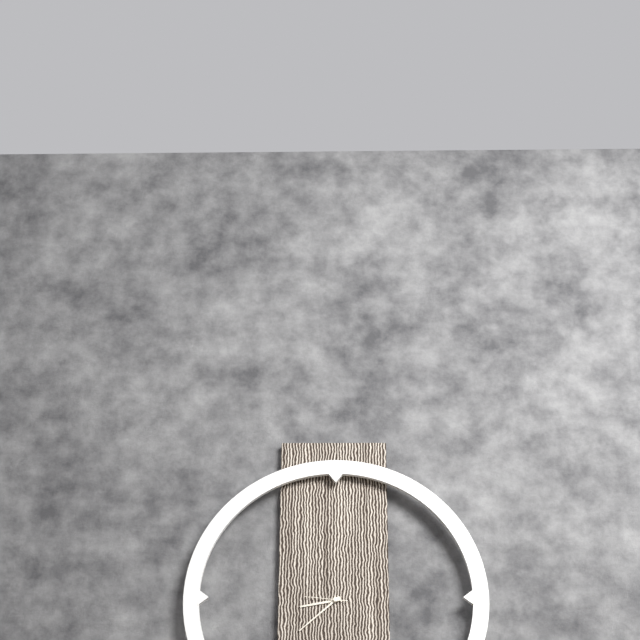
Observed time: 8:38
